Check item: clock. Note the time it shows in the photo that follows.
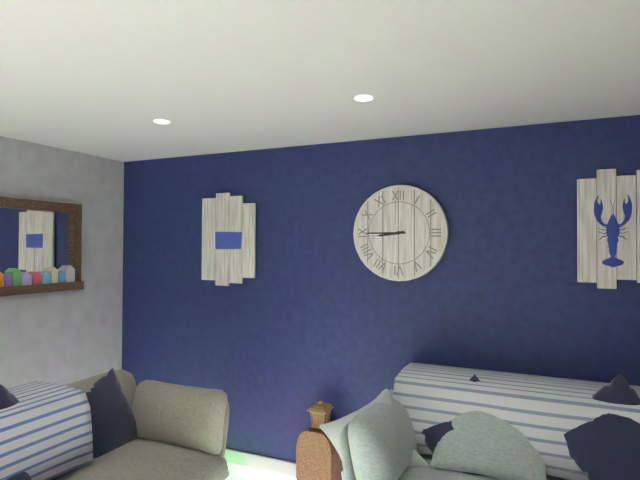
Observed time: 8:45
